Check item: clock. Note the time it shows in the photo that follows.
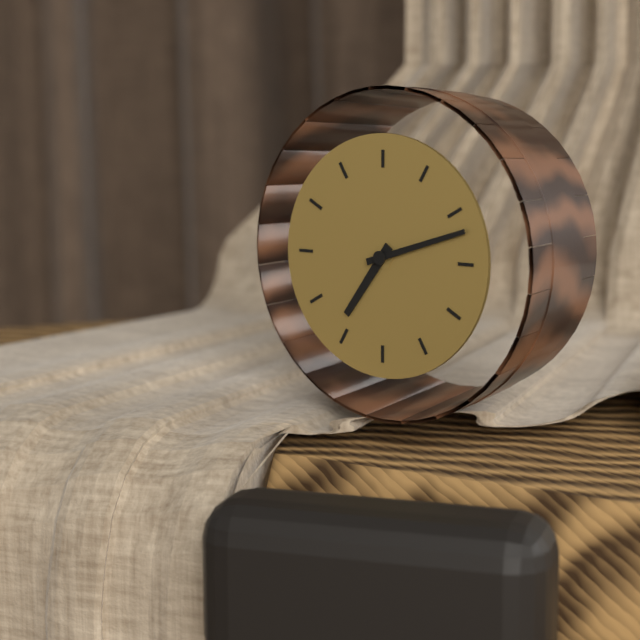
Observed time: 7:12
